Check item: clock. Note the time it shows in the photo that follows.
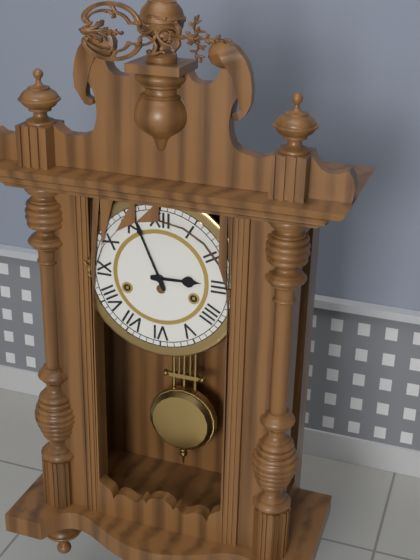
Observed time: 2:56
